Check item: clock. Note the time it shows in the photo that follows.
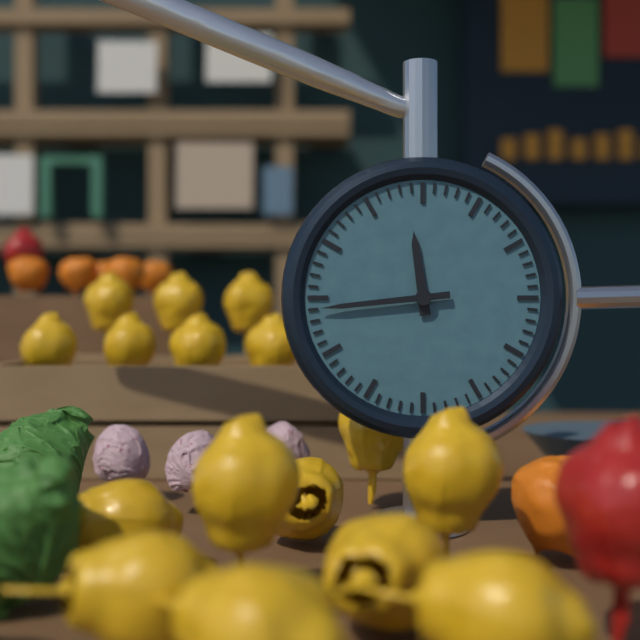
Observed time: 11:44
